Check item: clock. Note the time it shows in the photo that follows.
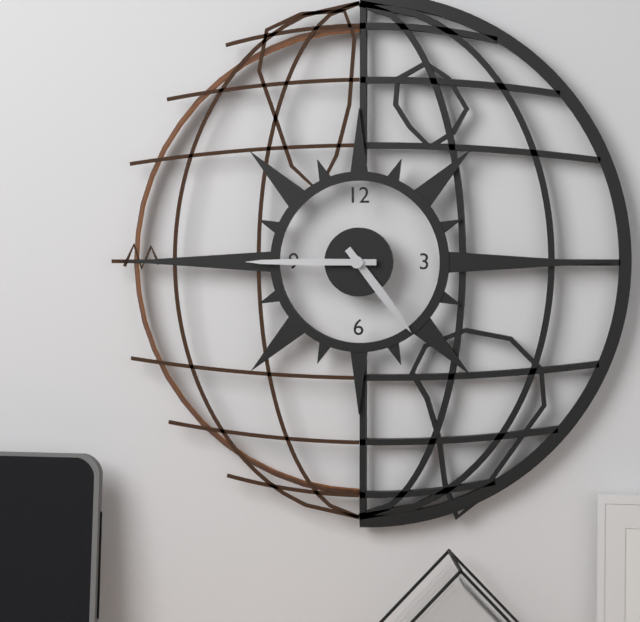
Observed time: 4:45
